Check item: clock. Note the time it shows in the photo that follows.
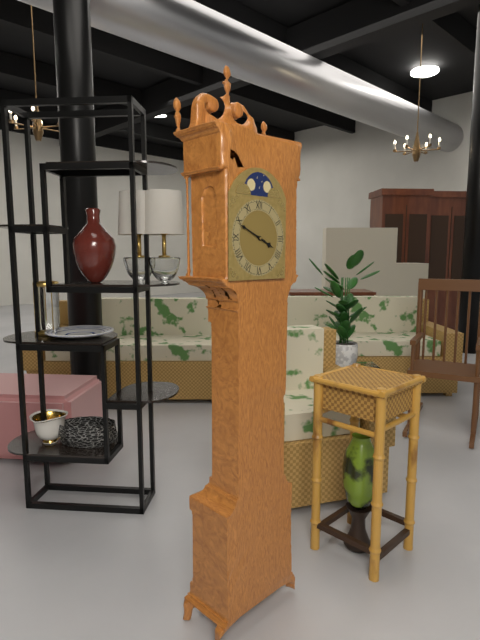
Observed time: 3:49
